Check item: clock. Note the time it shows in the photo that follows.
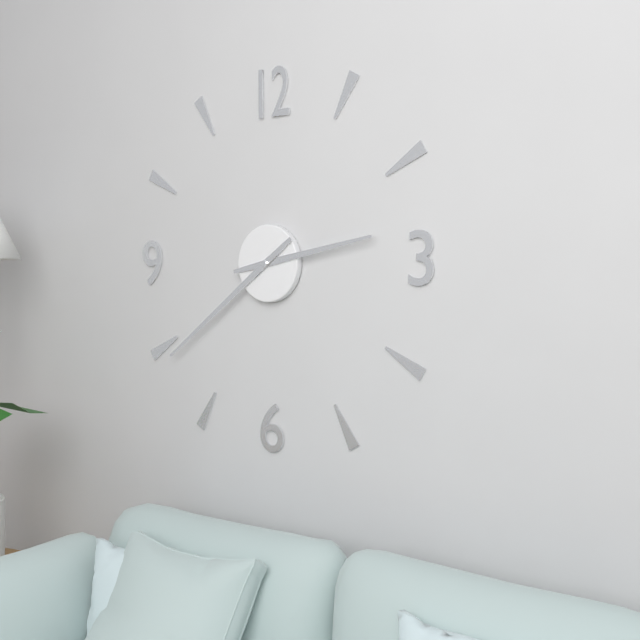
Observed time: 2:39
